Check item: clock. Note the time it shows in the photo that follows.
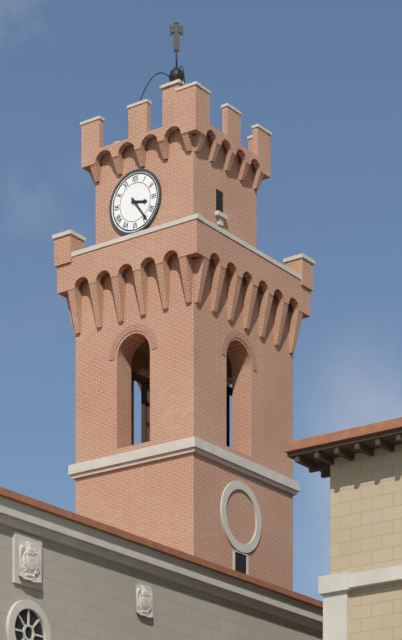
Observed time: 3:24
